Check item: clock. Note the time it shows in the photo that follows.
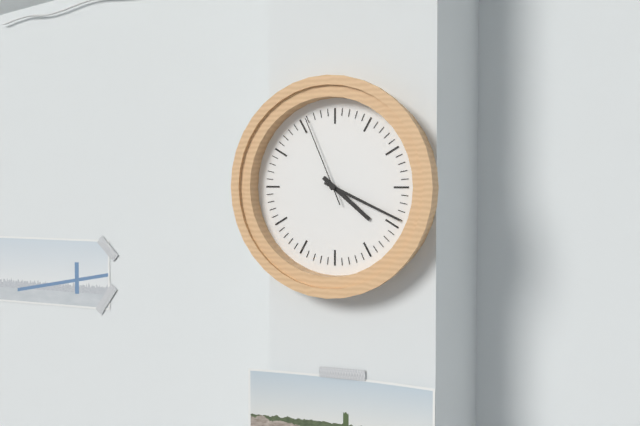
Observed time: 4:19:56
